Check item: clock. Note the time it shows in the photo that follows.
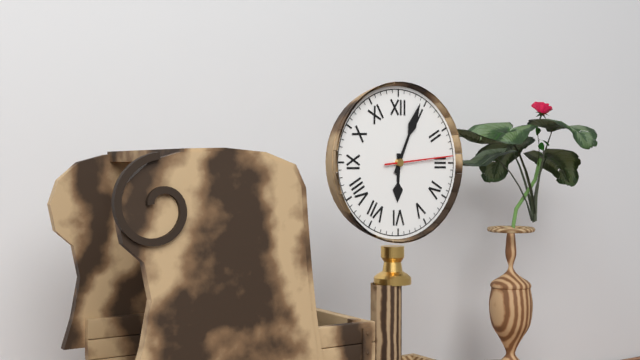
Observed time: 6:04:14
